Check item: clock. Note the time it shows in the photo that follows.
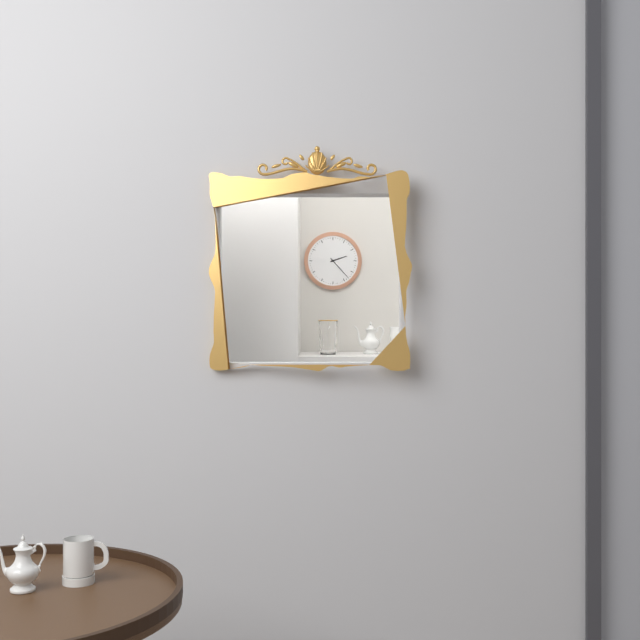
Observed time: 2:23
